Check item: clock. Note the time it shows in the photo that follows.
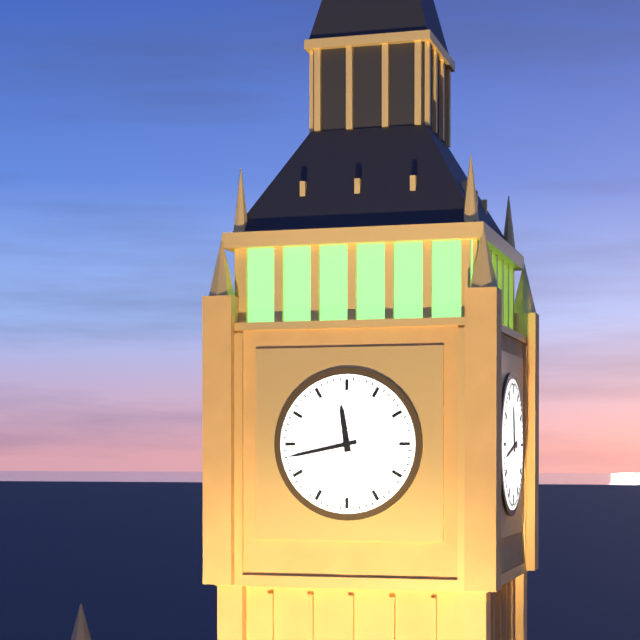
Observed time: 11:43
